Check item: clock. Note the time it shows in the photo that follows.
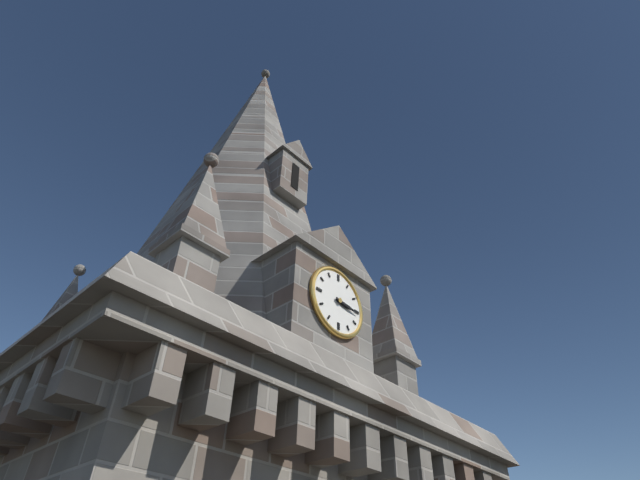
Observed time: 3:16
